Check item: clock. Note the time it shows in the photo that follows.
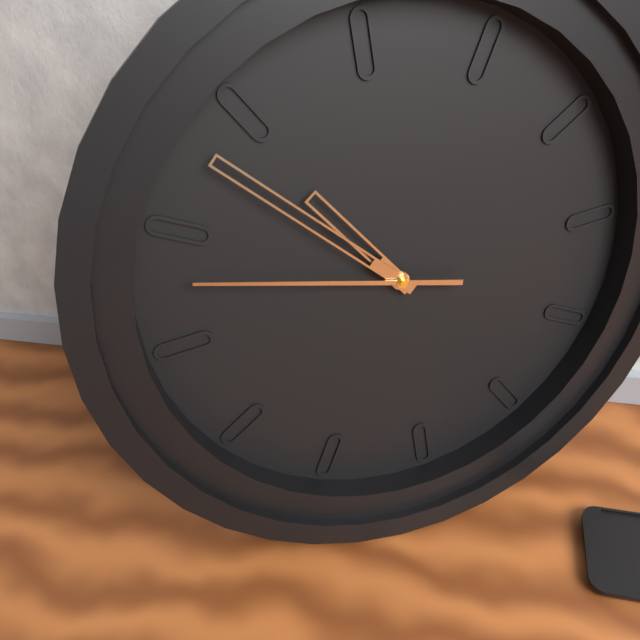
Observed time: 10:53:48
